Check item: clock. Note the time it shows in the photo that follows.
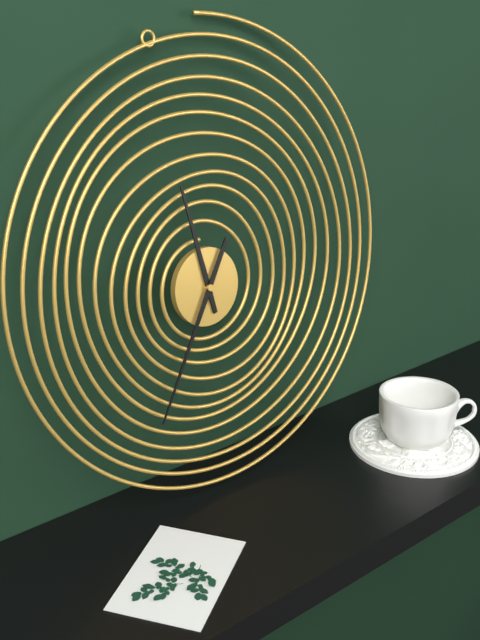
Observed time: 11:35
